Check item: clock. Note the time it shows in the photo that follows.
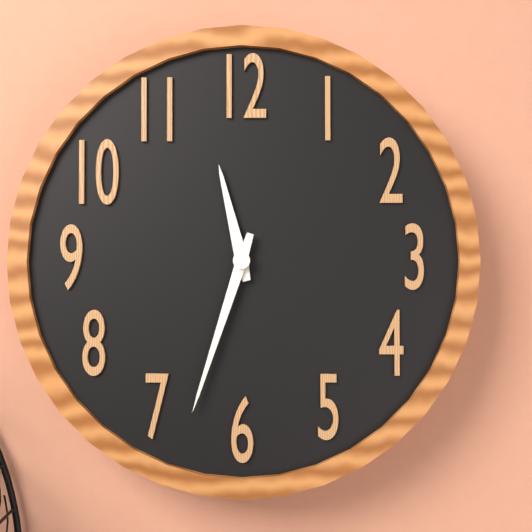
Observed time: 11:33
